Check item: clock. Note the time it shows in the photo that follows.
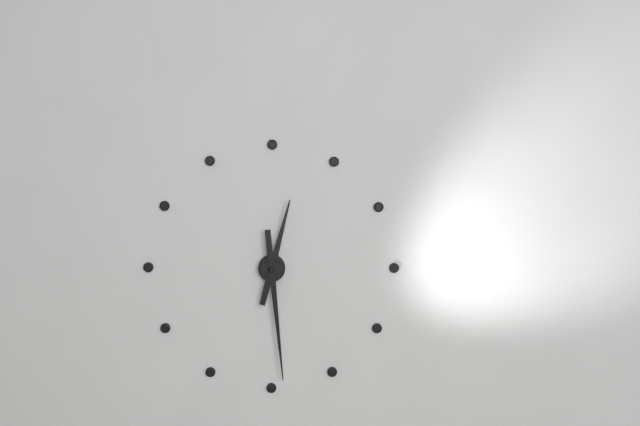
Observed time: 12:29
